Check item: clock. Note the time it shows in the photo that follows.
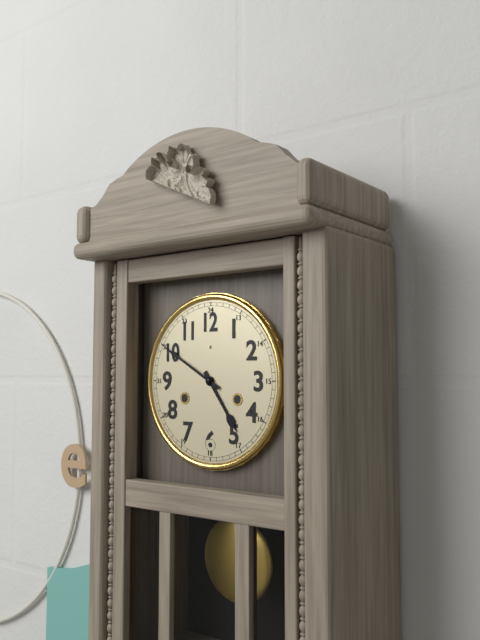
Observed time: 4:50
